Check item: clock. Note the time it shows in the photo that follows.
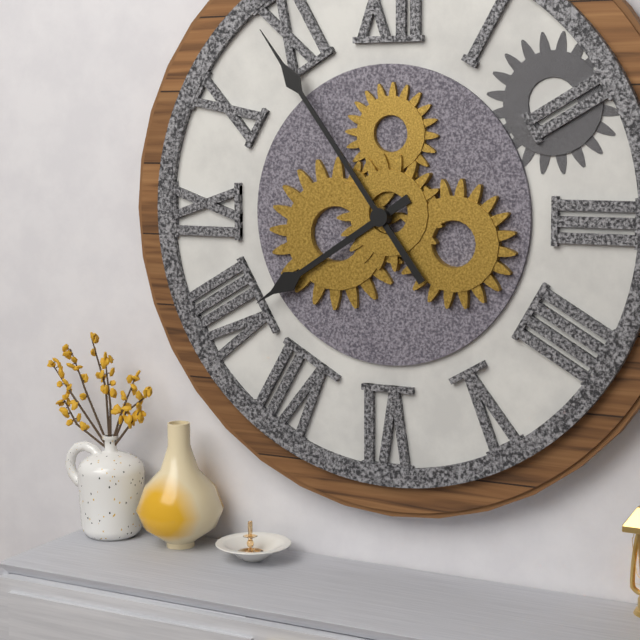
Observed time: 7:54
